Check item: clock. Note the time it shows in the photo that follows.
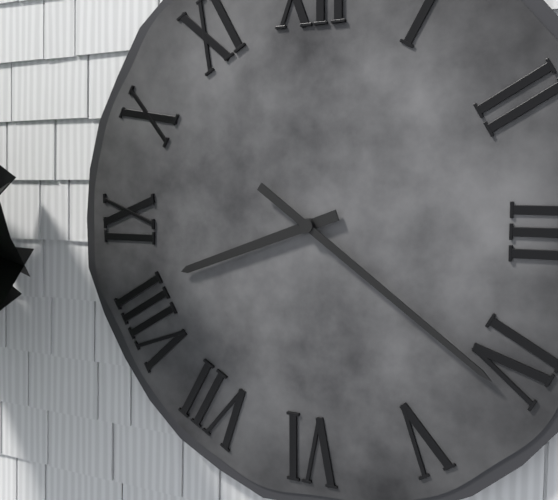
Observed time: 8:21
